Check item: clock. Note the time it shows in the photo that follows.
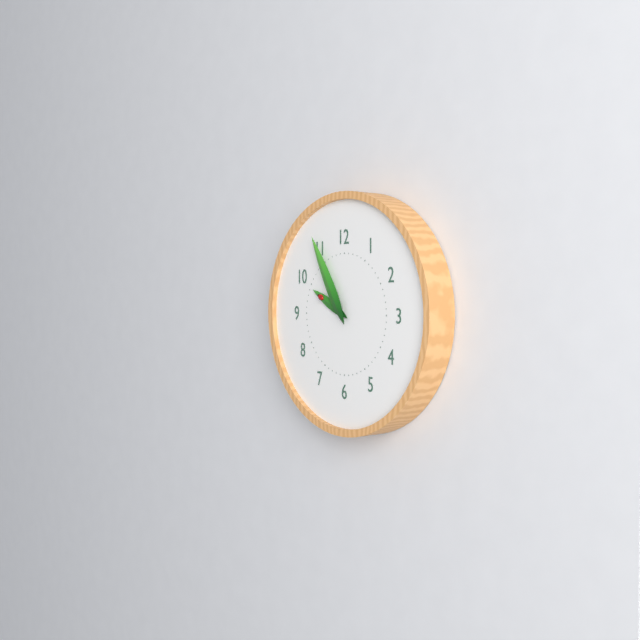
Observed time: 9:55
